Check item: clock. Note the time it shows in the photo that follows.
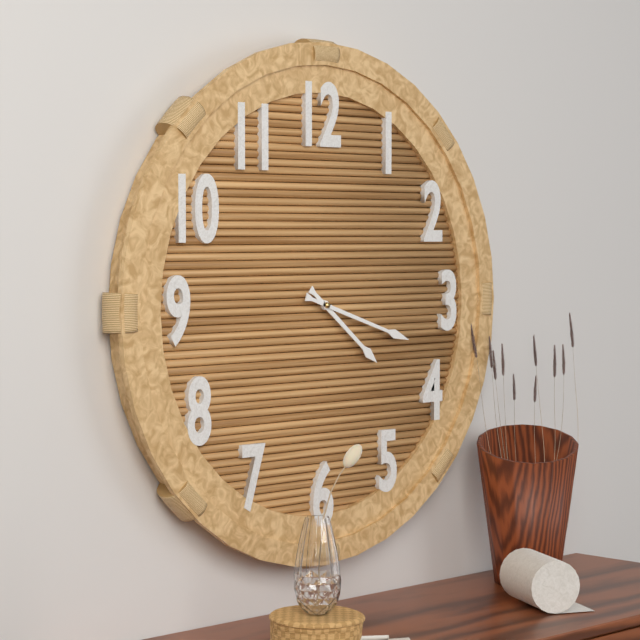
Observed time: 4:18
